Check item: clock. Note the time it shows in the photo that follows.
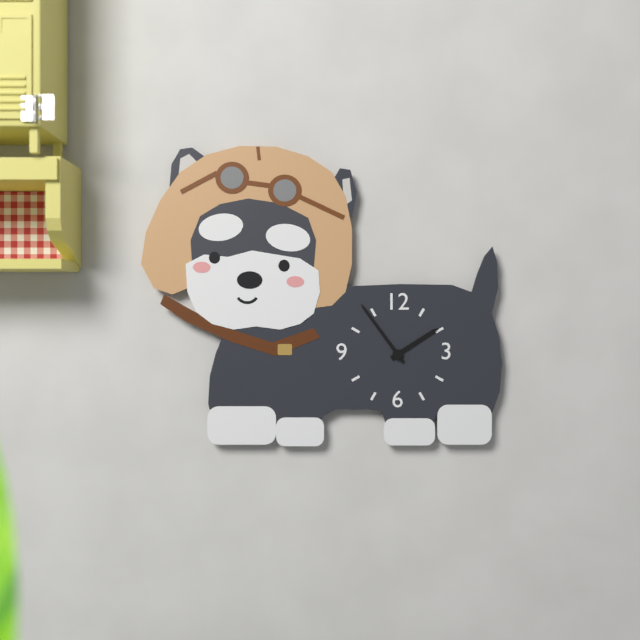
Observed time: 1:54
